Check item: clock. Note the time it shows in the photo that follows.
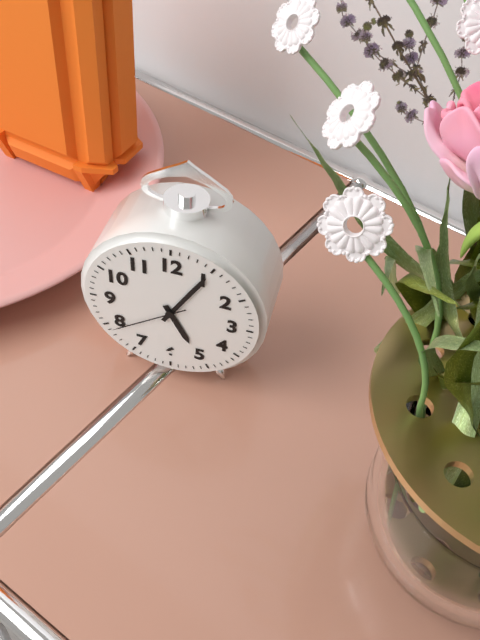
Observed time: 5:05:39
